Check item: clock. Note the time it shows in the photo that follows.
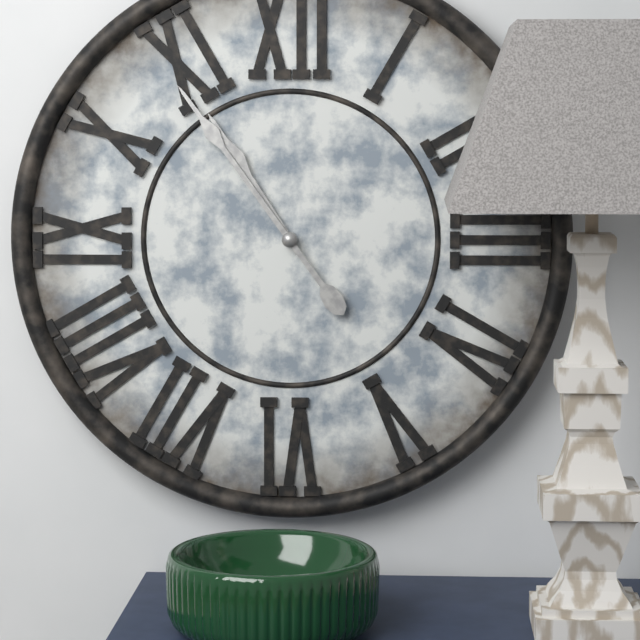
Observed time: 10:54
